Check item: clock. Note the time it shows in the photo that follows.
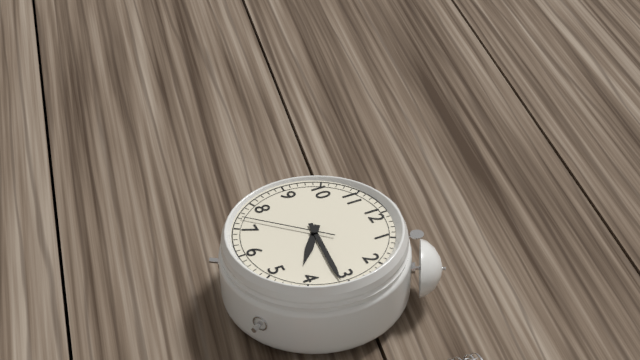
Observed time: 4:16:37
